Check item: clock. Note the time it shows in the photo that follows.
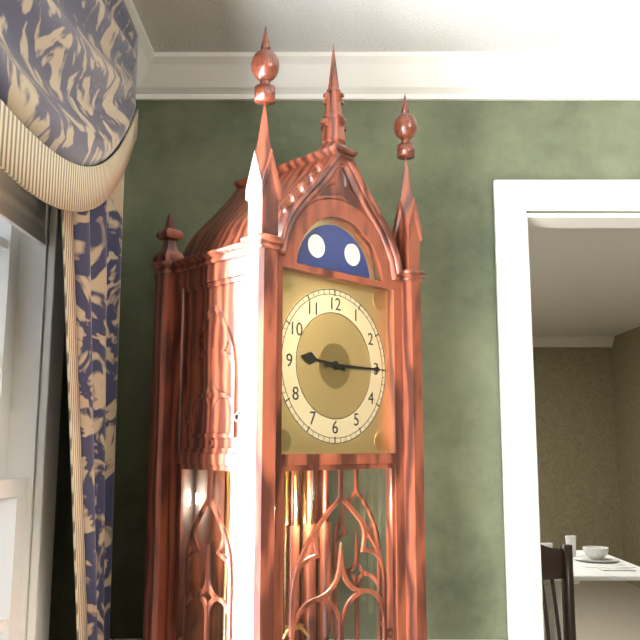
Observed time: 9:15
